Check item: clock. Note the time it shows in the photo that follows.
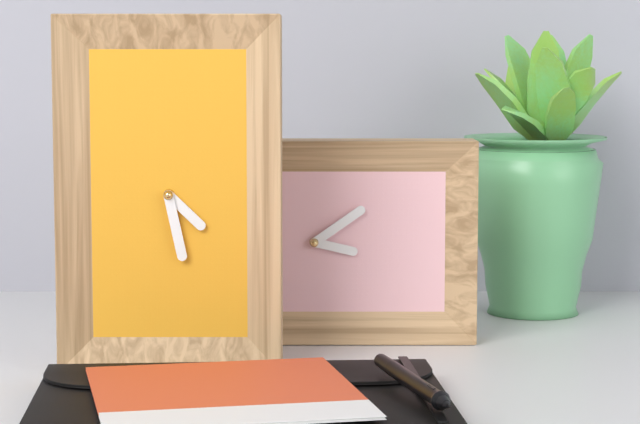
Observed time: 4:28
